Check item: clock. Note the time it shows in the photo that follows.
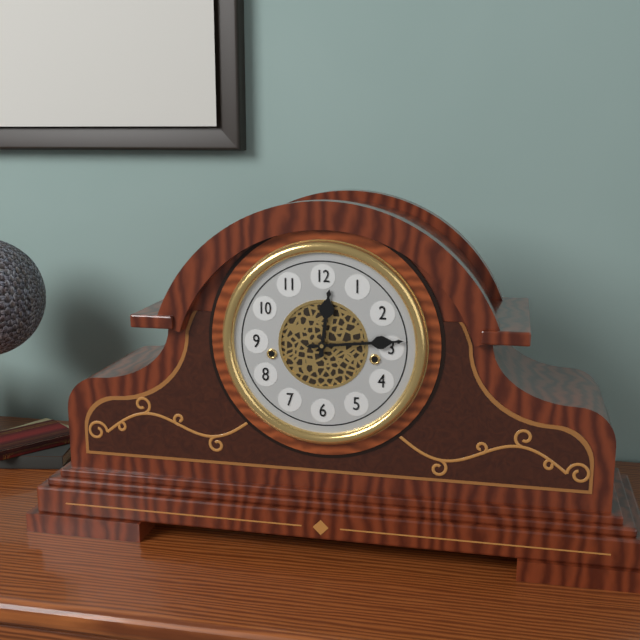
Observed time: 12:14
